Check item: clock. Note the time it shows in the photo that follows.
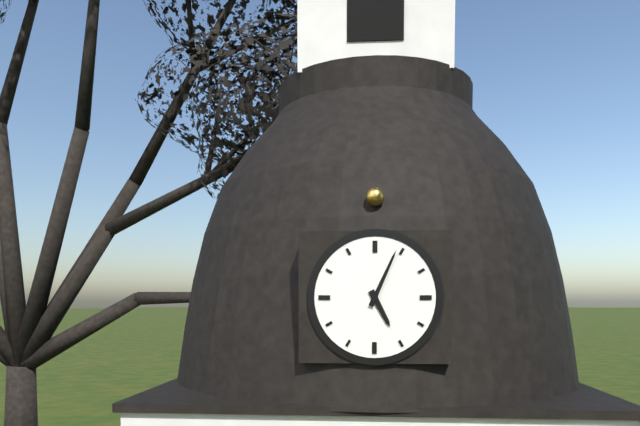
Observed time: 5:04
